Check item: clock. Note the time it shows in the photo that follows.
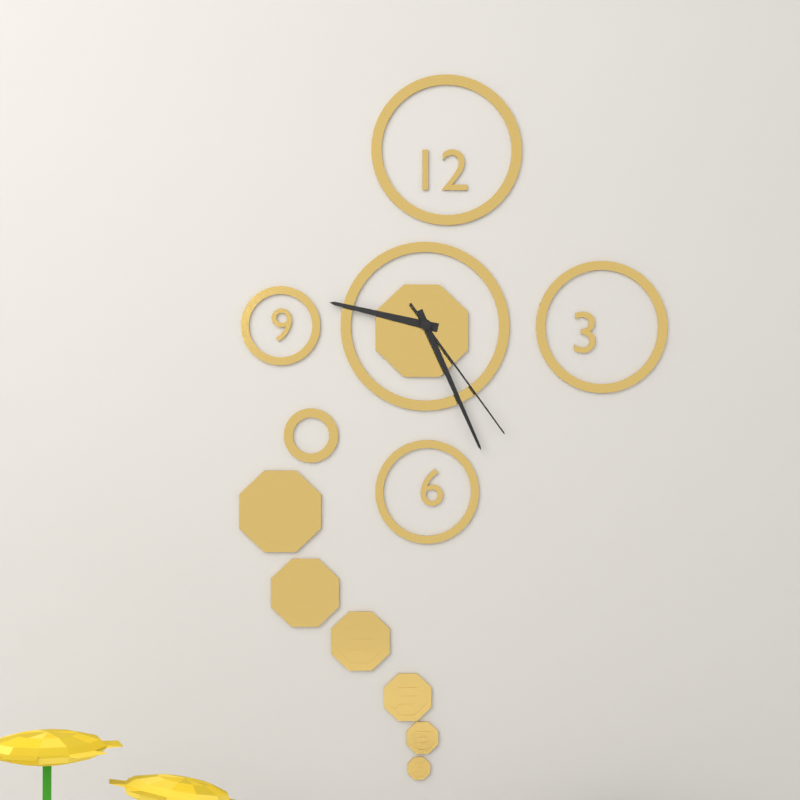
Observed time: 9:26:24
